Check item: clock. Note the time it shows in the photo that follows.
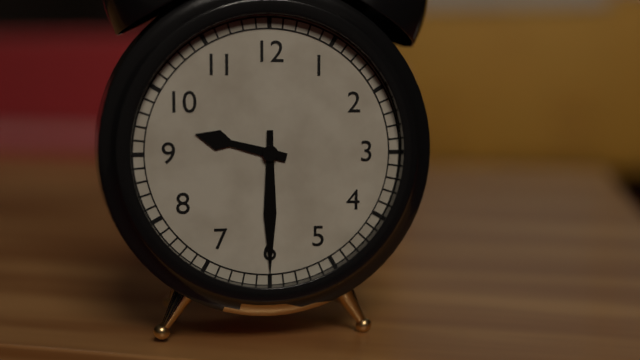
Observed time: 9:30
